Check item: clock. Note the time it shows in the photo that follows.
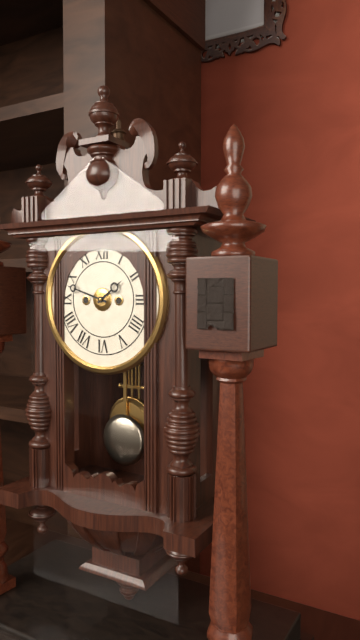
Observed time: 1:48
